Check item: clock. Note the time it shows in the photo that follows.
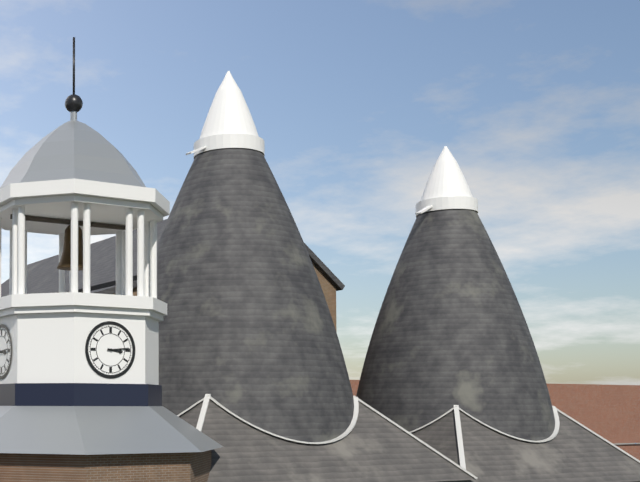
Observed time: 3:14
